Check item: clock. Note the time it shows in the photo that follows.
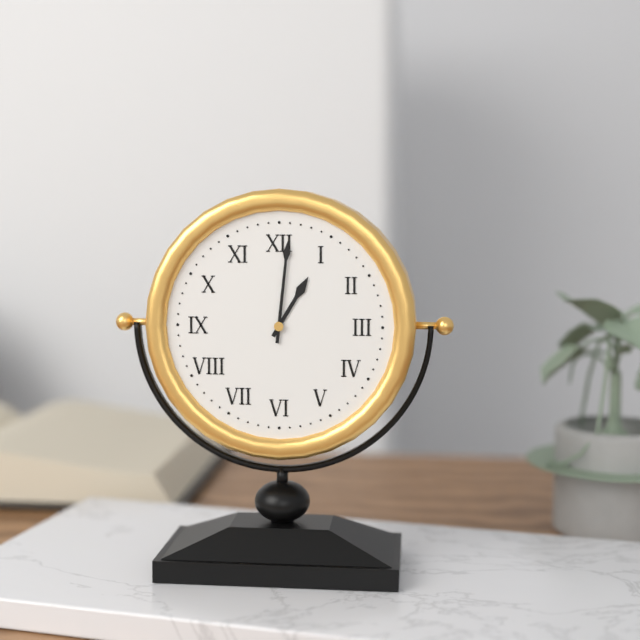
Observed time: 1:01
